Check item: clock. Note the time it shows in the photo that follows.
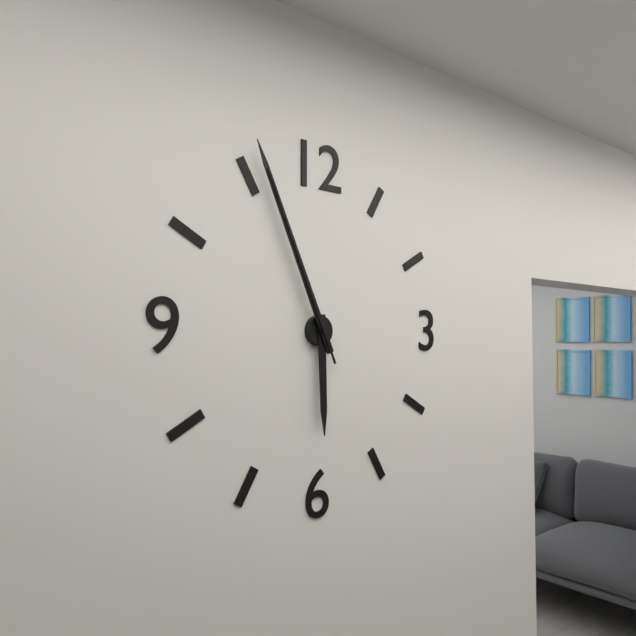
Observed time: 5:56:56
